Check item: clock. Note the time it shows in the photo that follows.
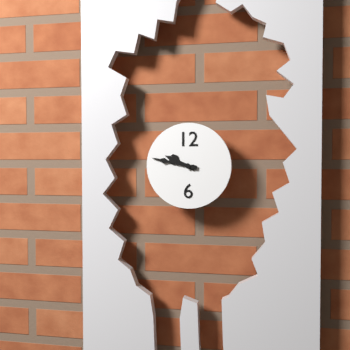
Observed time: 9:47
